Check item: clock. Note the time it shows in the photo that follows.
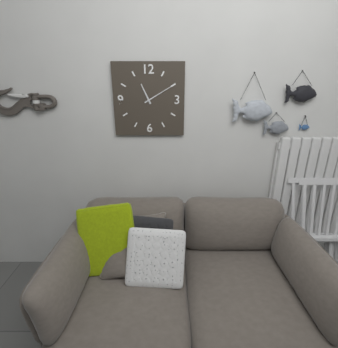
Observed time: 11:10
